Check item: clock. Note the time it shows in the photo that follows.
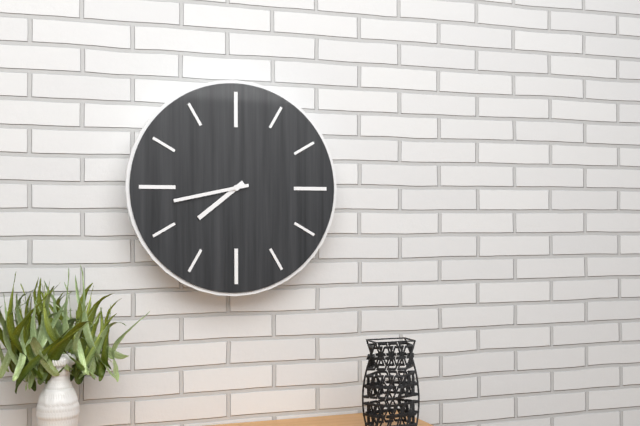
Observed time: 7:43
